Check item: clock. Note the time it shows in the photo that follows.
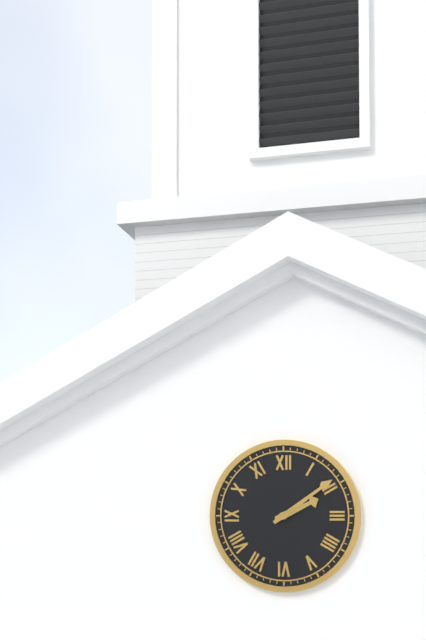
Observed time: 2:09
